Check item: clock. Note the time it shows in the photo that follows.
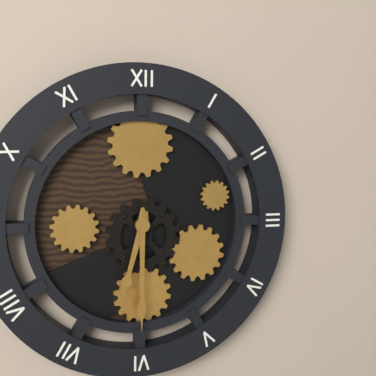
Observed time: 6:30
